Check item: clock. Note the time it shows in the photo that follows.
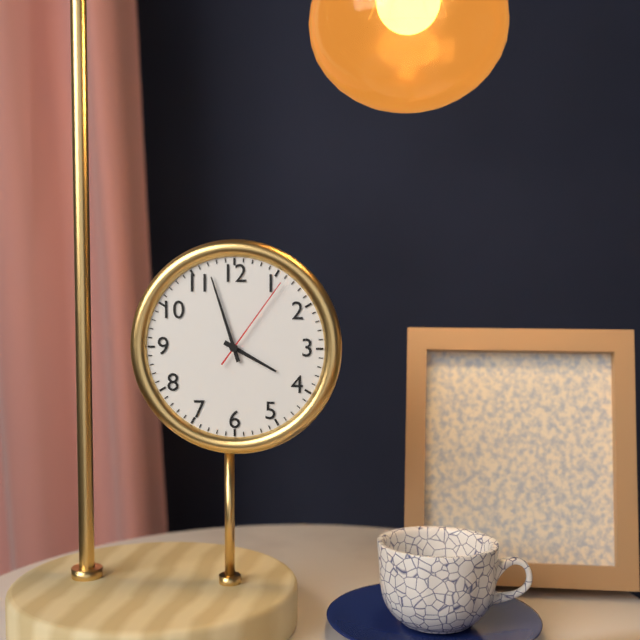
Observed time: 3:57:06
